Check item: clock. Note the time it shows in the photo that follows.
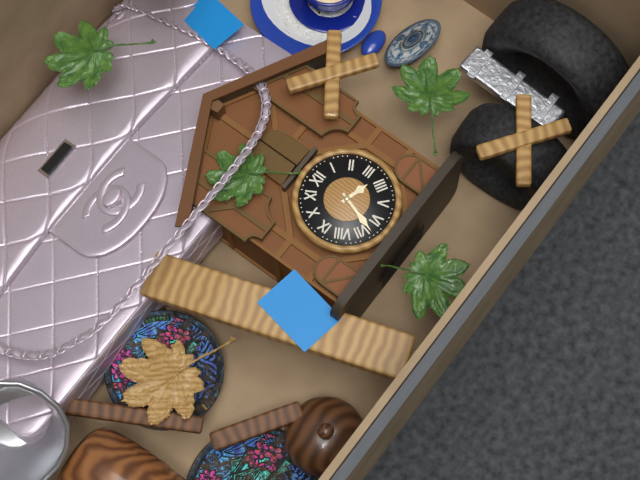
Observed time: 3:33
